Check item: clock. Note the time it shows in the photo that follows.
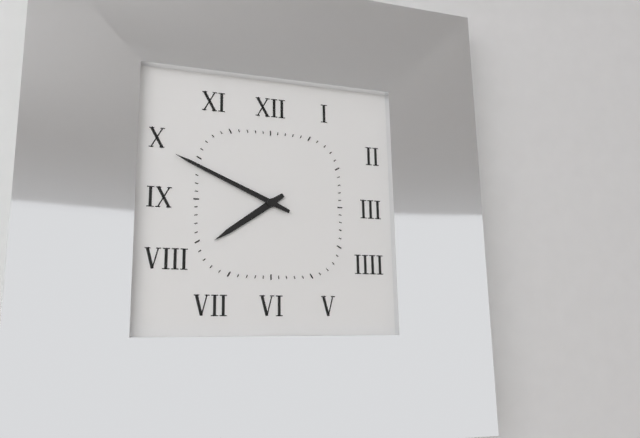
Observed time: 7:49
